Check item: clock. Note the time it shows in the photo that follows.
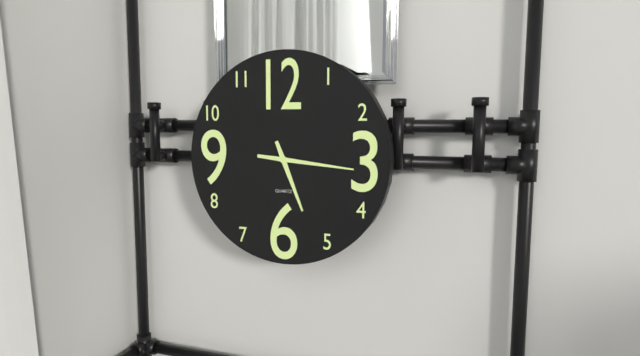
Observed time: 5:16
